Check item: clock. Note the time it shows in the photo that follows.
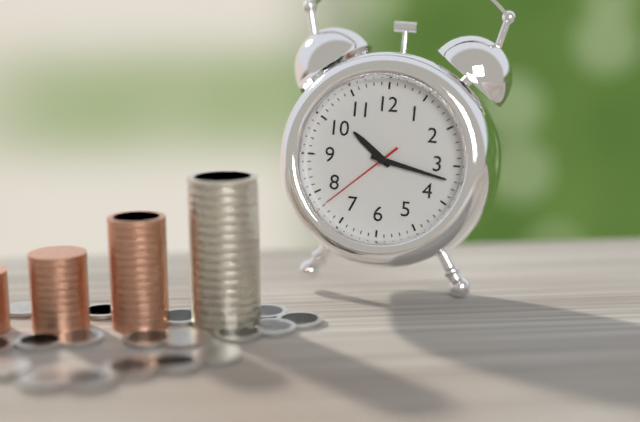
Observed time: 10:17:38
